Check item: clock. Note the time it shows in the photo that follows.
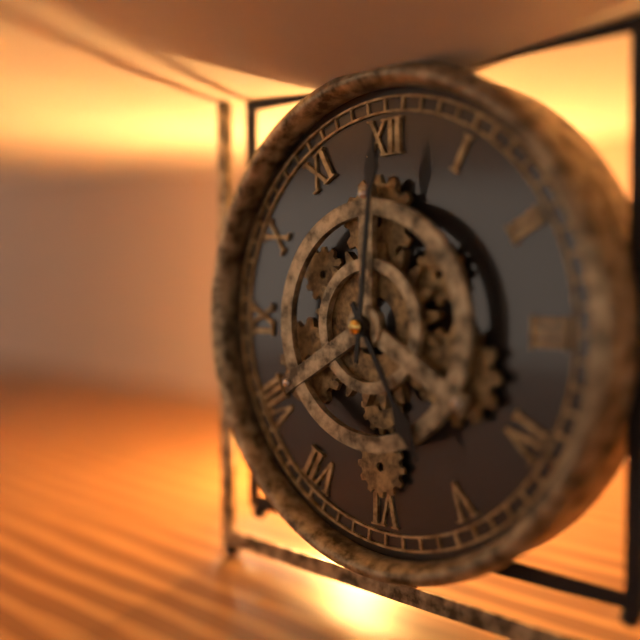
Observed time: 5:01
